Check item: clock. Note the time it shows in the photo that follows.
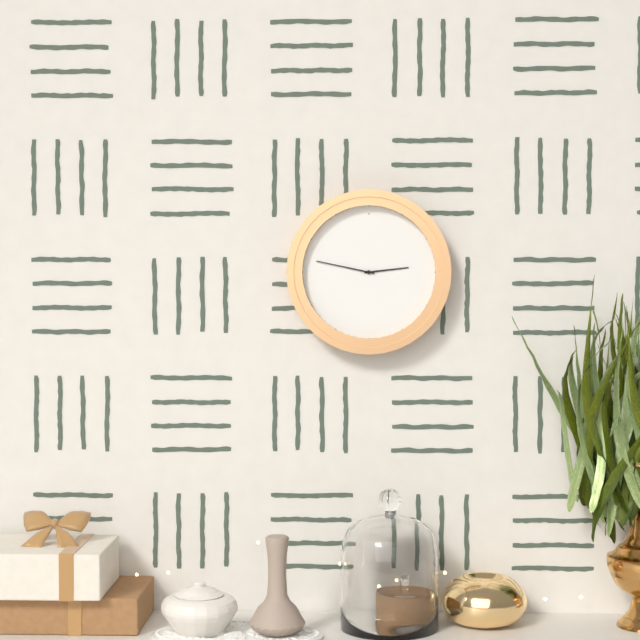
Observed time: 2:47
